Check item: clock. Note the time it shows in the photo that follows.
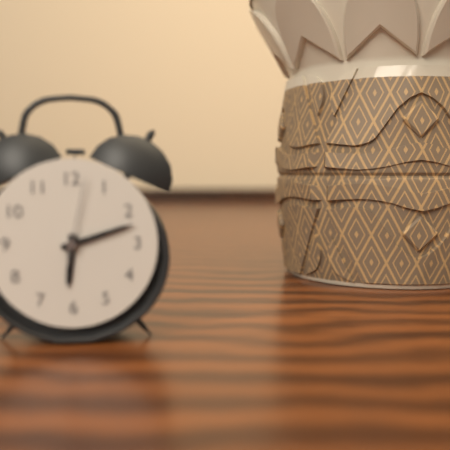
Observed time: 6:12:02
